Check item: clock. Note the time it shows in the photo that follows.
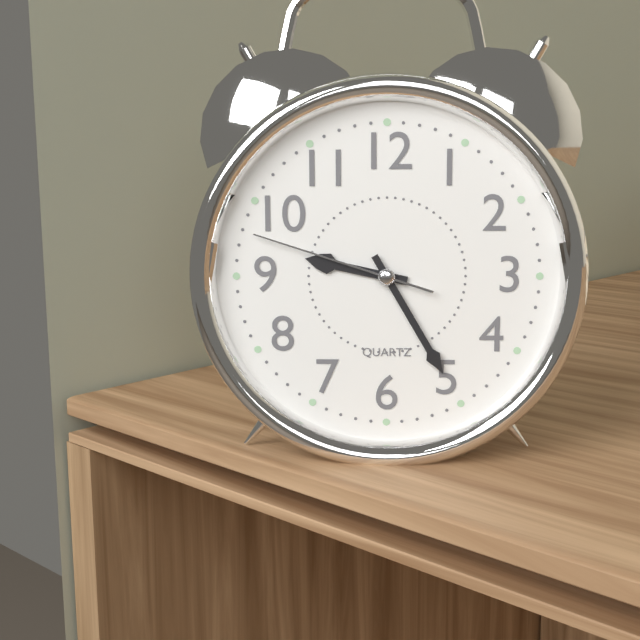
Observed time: 9:25:48
